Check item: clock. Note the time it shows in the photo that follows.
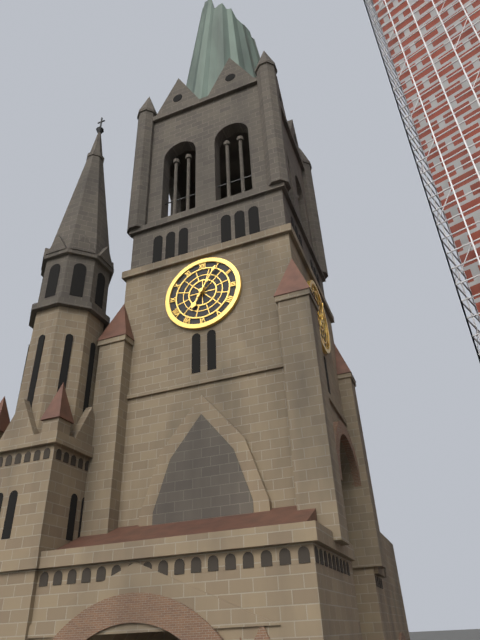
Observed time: 7:05
